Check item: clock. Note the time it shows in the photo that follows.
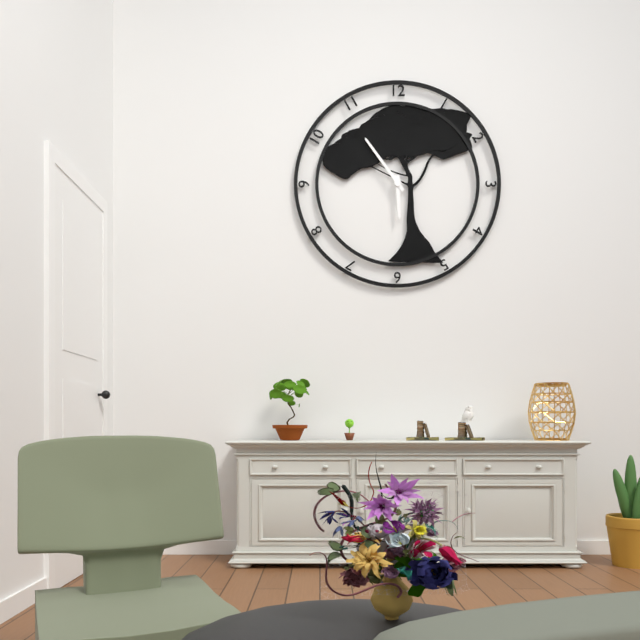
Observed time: 5:54
